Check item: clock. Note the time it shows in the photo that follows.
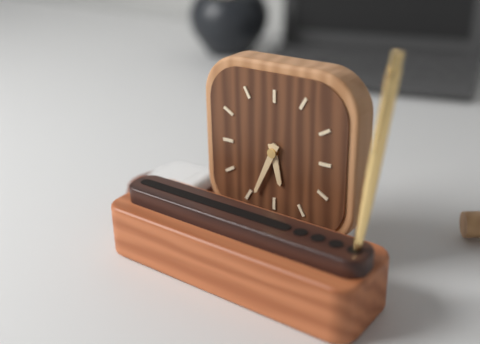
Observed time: 5:34
